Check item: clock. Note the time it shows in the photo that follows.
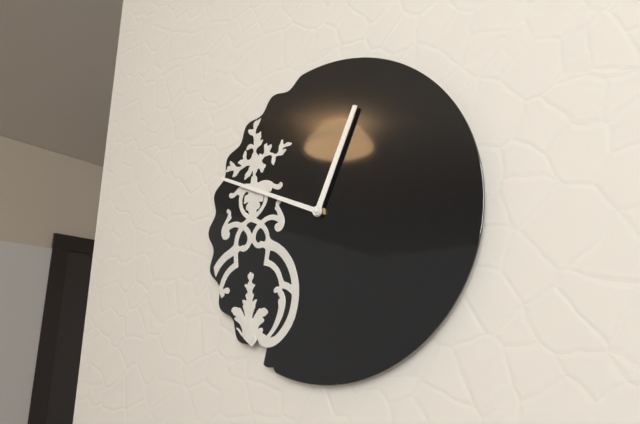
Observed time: 12:49
